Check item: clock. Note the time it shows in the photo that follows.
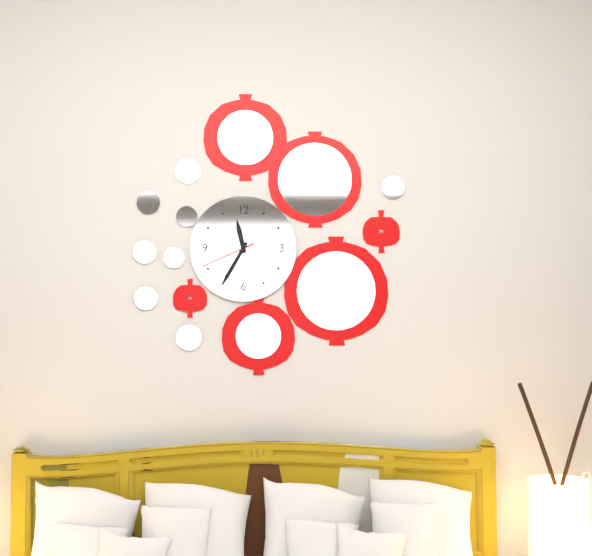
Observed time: 11:35:41
